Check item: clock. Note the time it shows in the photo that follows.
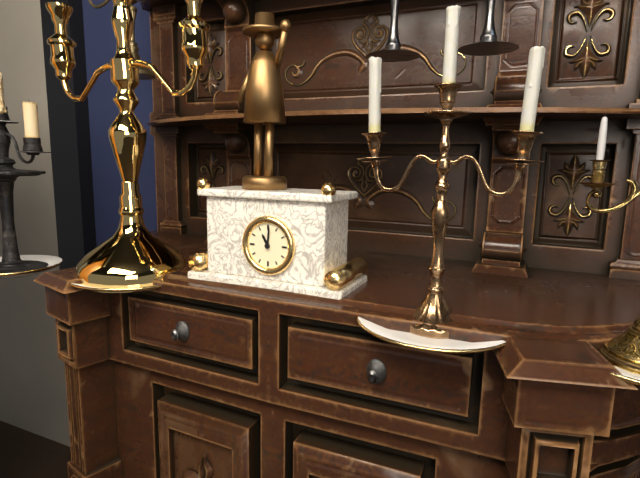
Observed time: 11:01
